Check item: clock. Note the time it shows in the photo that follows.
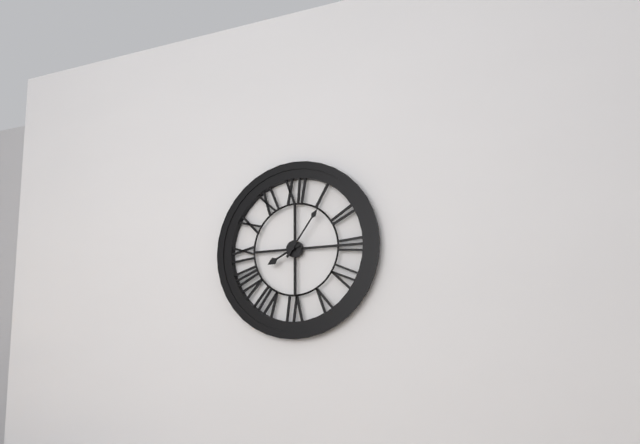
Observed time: 8:06
